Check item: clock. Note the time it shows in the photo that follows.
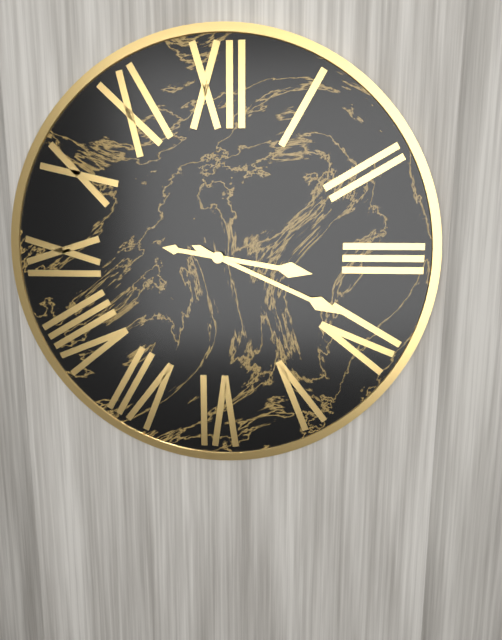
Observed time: 3:19
